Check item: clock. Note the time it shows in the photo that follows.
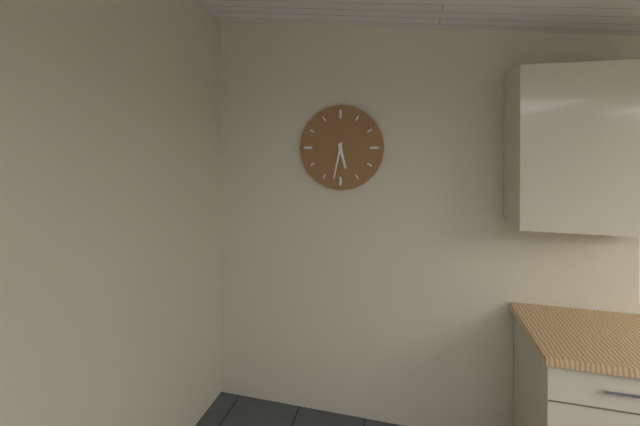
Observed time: 5:32
